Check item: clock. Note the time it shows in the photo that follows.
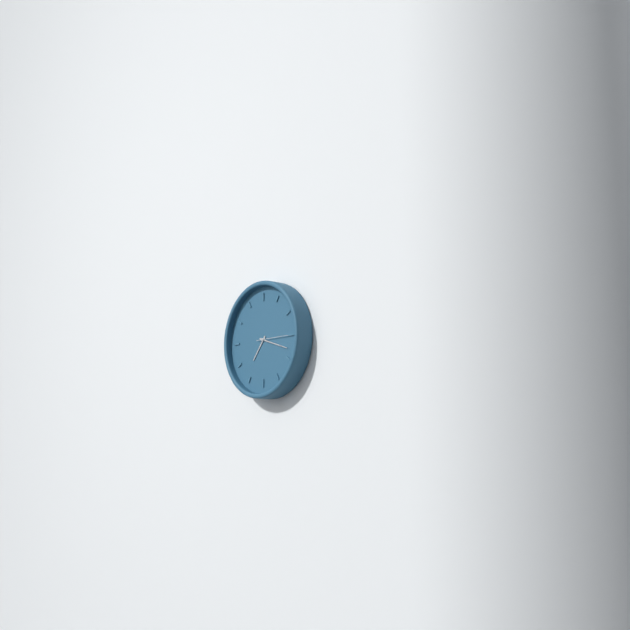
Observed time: 7:18
